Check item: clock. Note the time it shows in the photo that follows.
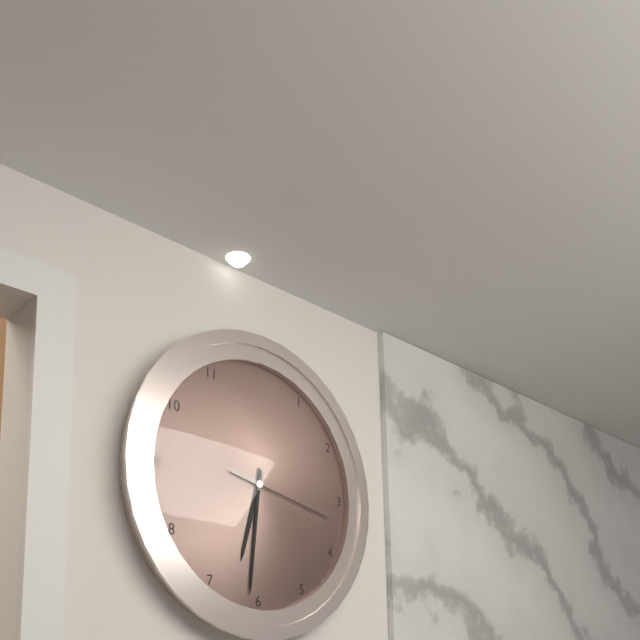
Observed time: 6:31:17
